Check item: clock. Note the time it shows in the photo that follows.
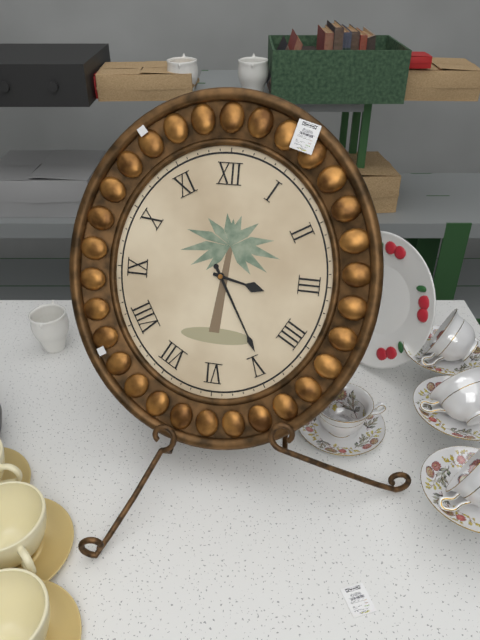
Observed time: 3:25
